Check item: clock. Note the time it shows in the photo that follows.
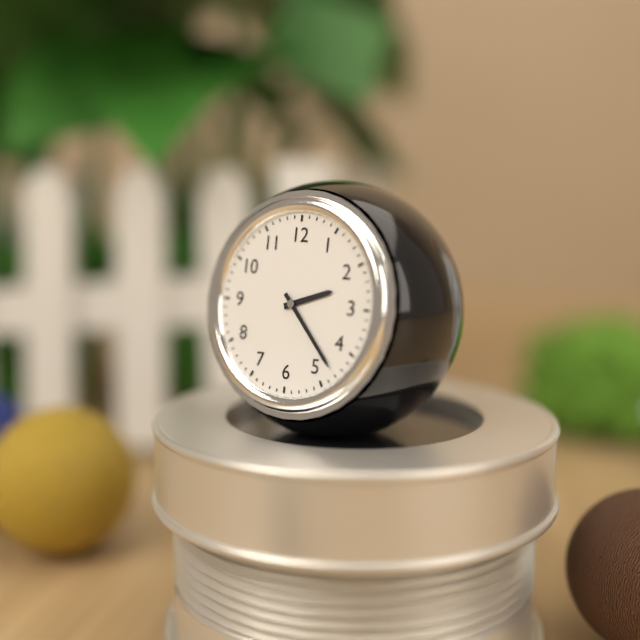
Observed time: 2:23
